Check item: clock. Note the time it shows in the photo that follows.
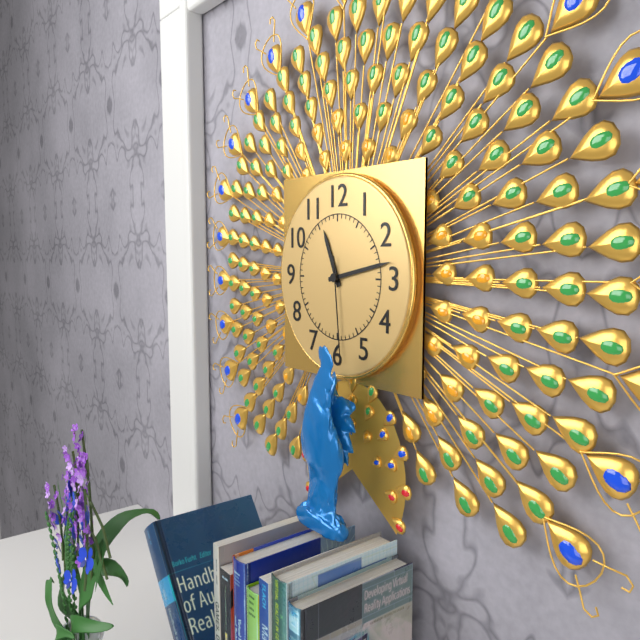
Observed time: 11:13:29
